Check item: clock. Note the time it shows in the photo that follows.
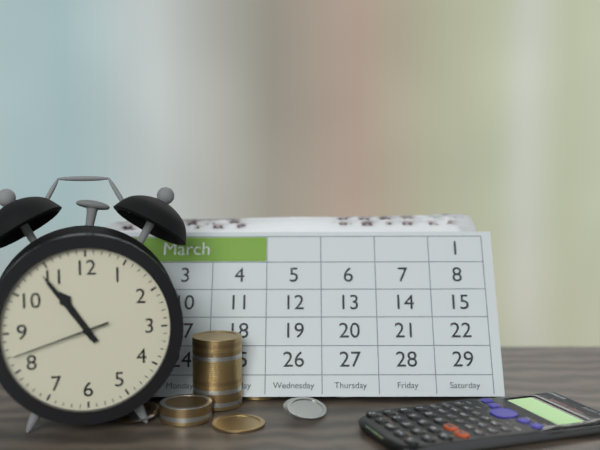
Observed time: 10:54:42
